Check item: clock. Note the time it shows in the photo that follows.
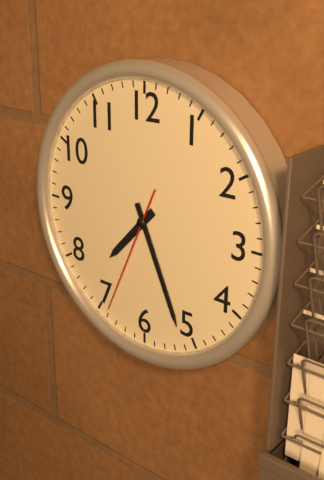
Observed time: 7:26:34
